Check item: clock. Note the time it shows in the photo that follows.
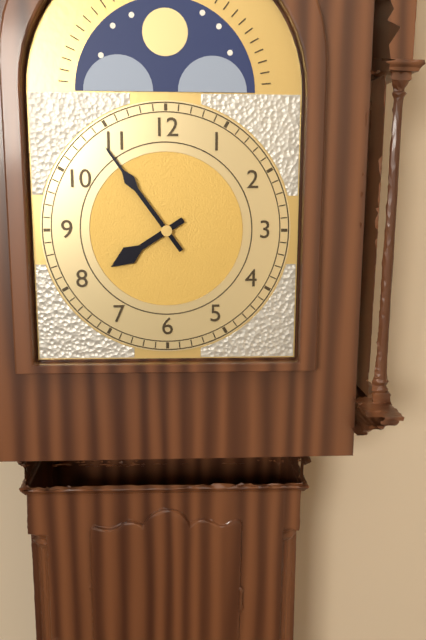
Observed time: 7:54
